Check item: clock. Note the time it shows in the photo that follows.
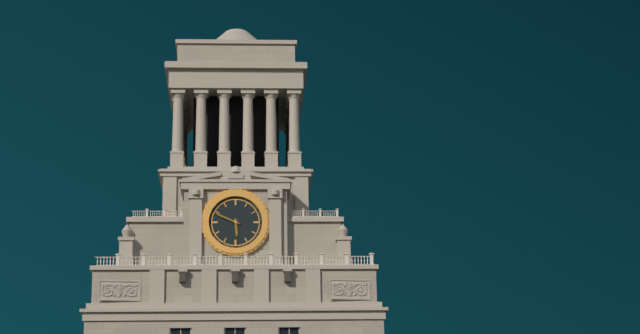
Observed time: 5:49
